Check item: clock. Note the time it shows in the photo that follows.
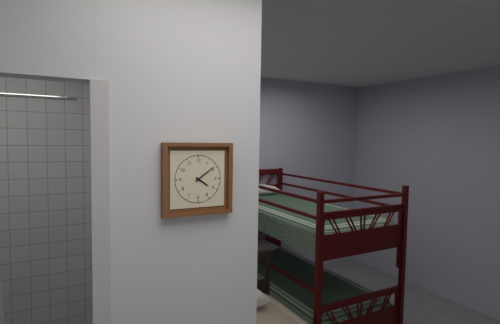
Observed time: 4:09
